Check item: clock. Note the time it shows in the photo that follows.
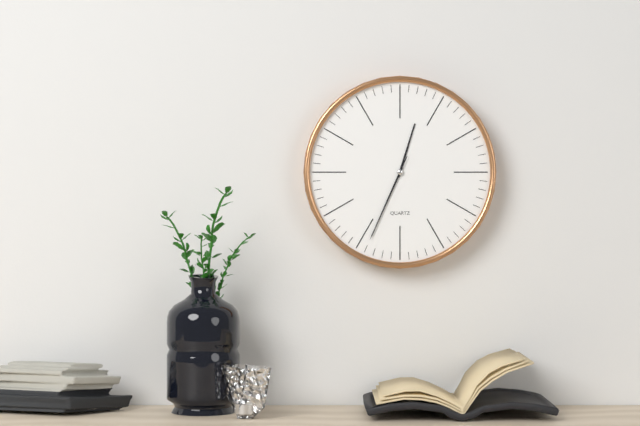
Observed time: 12:34:34
